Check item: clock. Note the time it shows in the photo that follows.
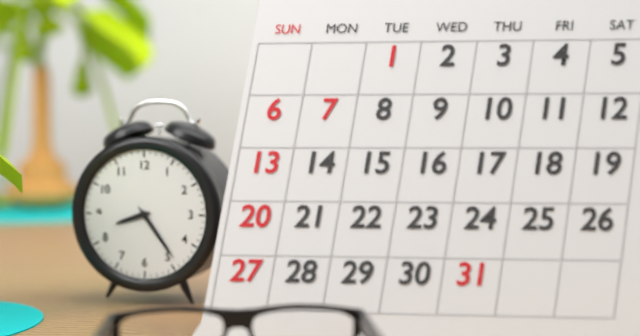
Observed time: 8:24
